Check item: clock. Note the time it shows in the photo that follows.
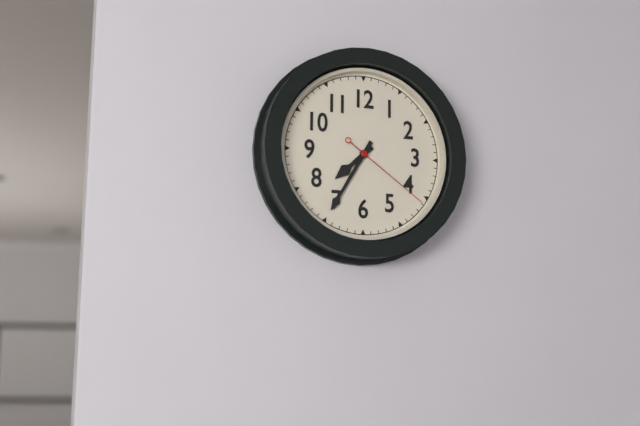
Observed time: 7:35:21
